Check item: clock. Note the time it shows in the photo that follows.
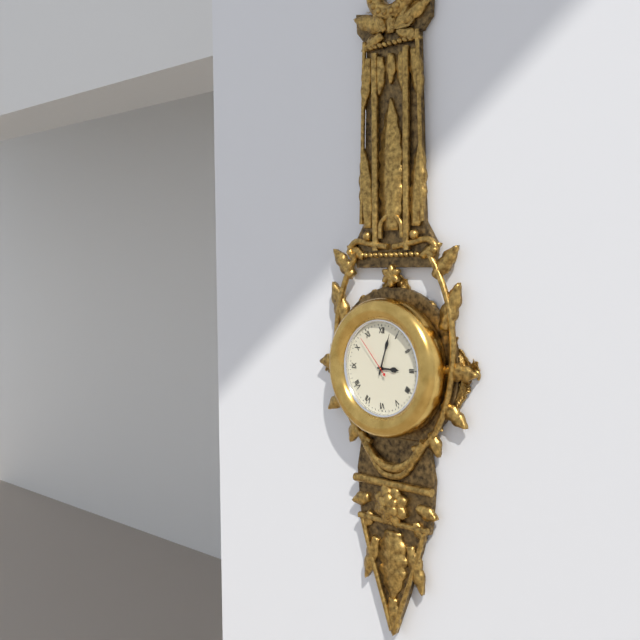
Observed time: 3:03:53
